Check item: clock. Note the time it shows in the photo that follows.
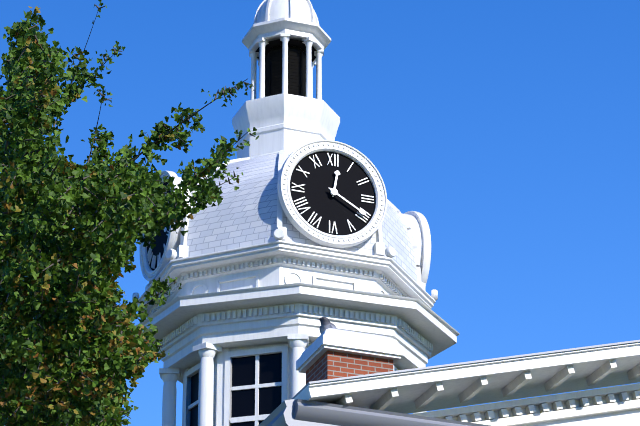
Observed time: 12:20
